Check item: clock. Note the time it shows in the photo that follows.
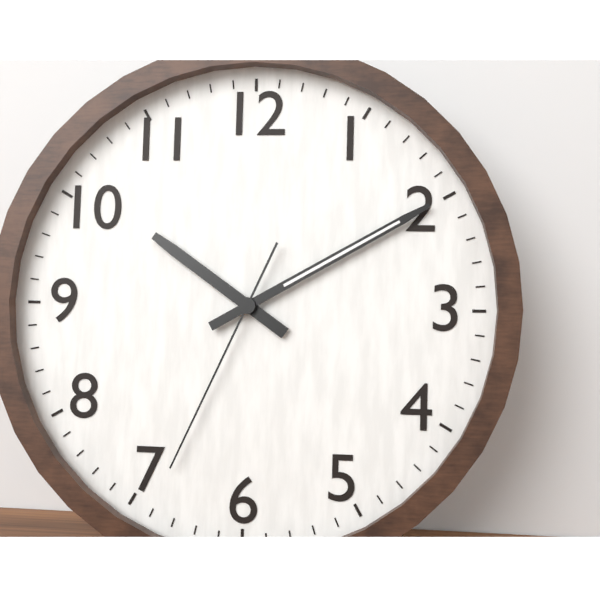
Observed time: 10:10:34
